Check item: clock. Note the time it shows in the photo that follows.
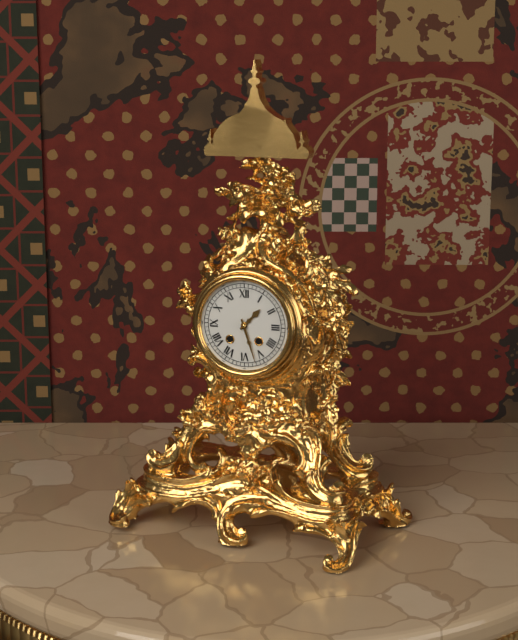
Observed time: 1:27
